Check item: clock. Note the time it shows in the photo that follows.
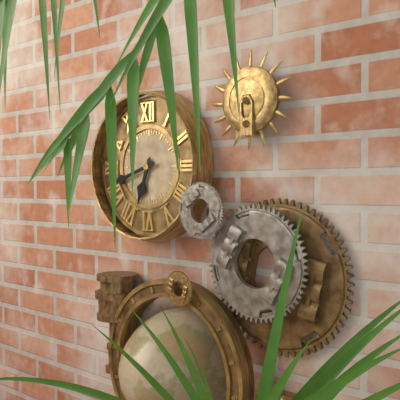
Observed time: 6:42
